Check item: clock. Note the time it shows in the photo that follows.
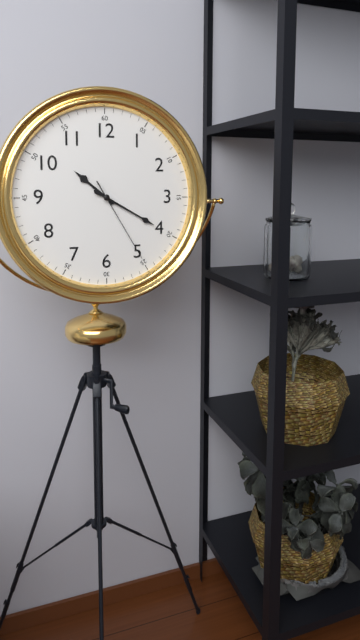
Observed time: 10:20:25
